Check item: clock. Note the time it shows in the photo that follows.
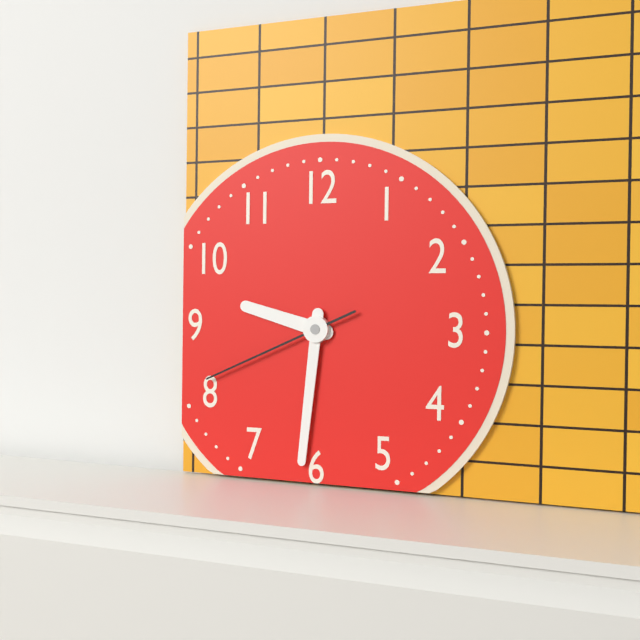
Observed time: 9:31:41
